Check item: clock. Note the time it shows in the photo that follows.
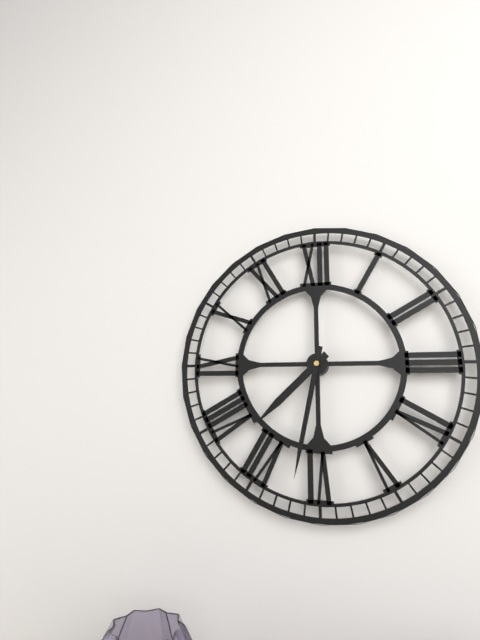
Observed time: 7:32
